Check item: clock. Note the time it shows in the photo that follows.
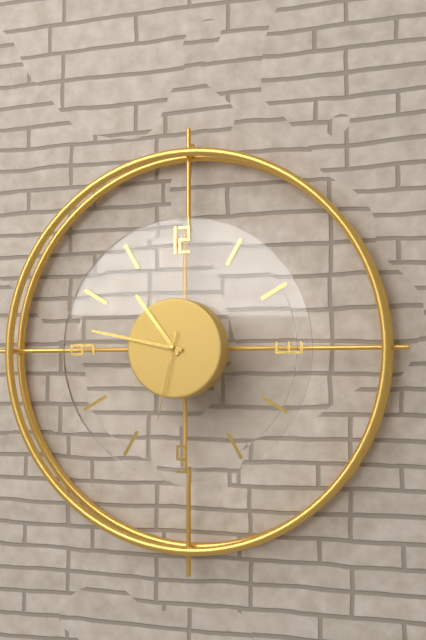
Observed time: 10:47:32
